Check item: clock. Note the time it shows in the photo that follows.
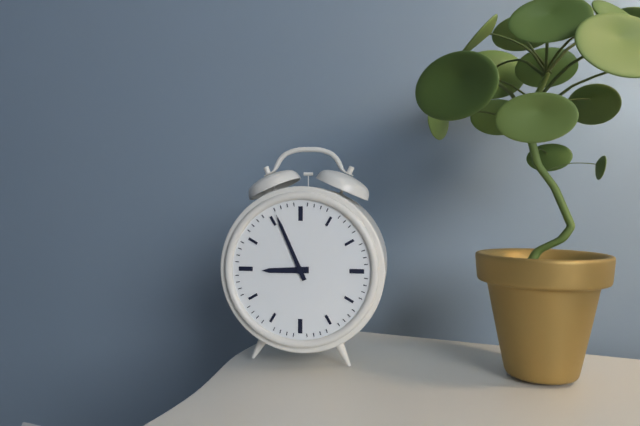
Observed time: 8:56
